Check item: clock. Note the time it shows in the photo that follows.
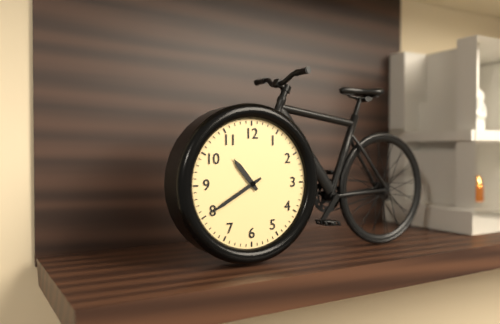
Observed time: 10:40
